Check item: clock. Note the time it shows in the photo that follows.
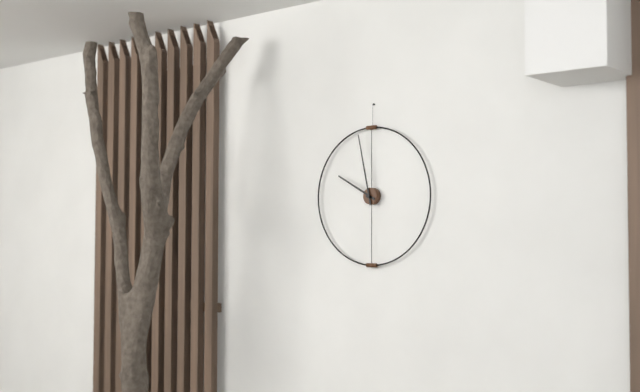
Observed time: 9:58
